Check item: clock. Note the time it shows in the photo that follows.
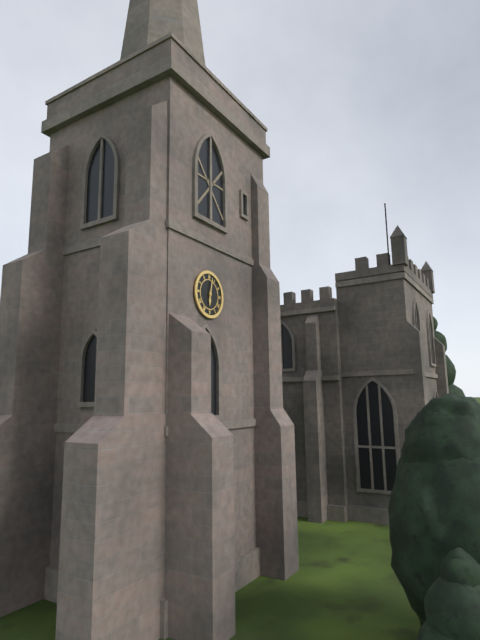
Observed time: 6:02
